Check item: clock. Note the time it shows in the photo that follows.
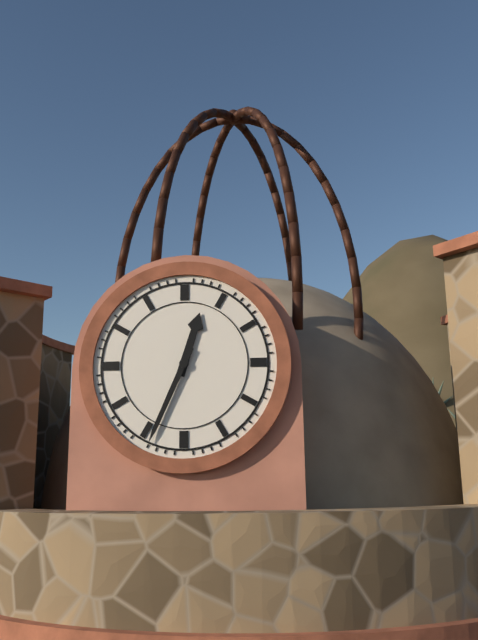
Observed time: 12:34
